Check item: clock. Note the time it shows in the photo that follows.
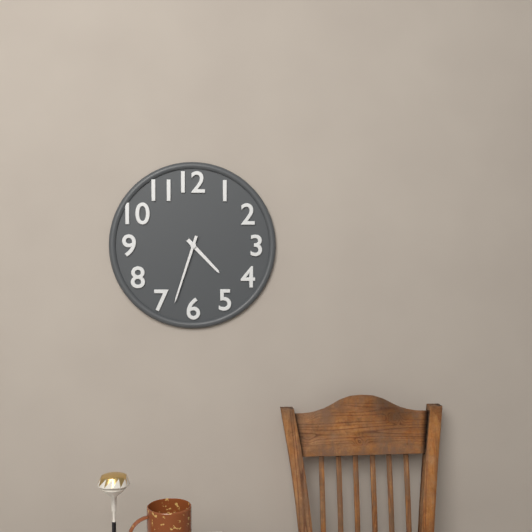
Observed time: 4:33
